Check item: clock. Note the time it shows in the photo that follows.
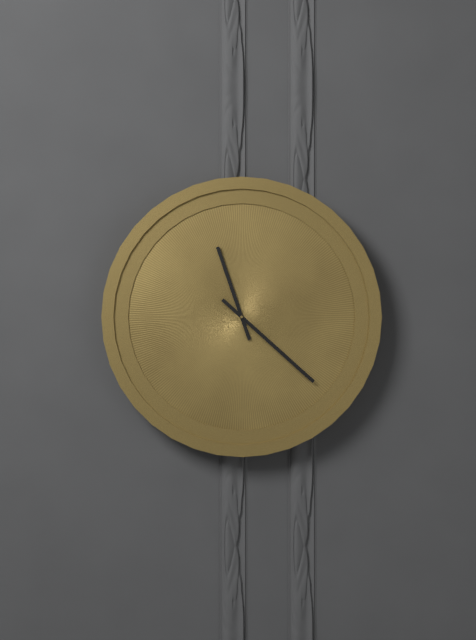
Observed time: 11:22
